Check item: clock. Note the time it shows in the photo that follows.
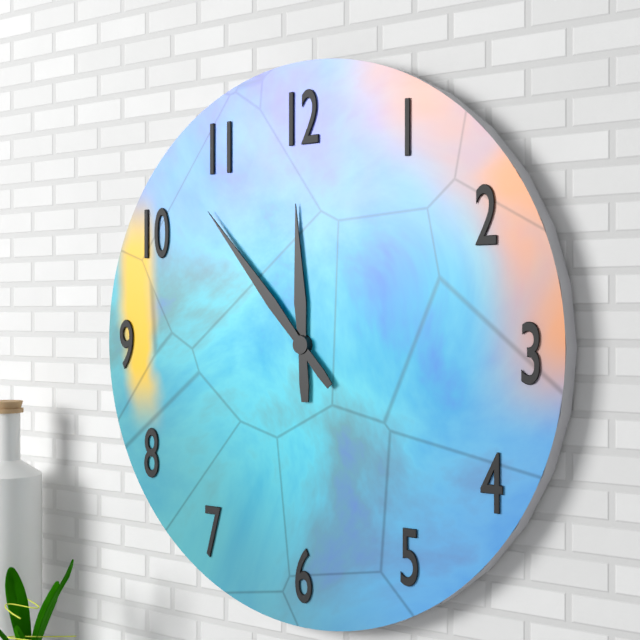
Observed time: 11:53
